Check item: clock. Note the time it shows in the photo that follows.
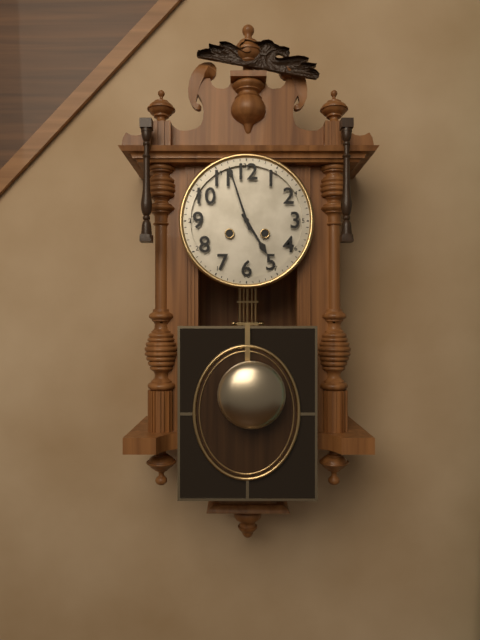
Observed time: 4:57
